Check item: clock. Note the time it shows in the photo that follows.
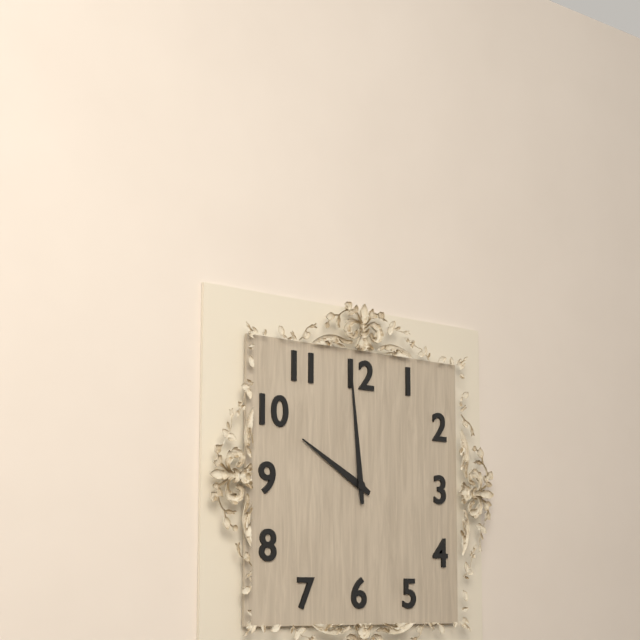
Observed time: 9:59
